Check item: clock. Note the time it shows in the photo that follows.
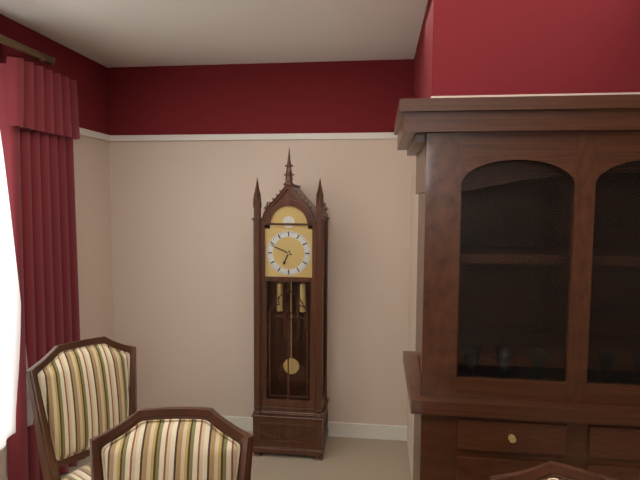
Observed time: 6:49
